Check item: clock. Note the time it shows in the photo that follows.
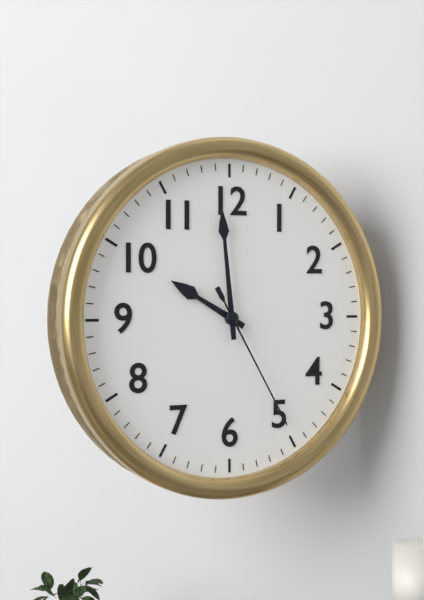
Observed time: 9:59:25
